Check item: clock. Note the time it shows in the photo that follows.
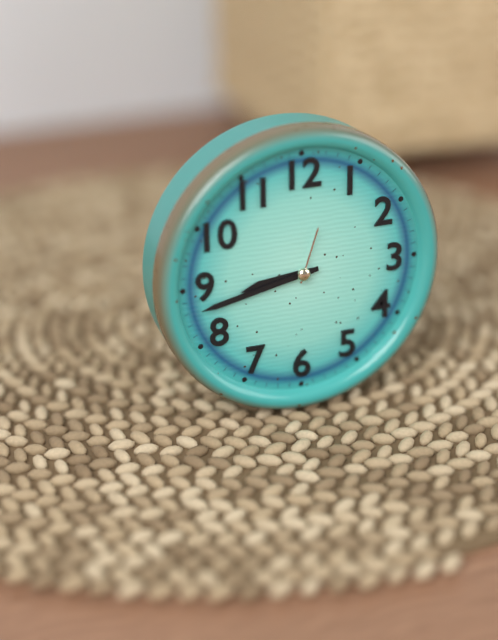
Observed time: 8:43:03
